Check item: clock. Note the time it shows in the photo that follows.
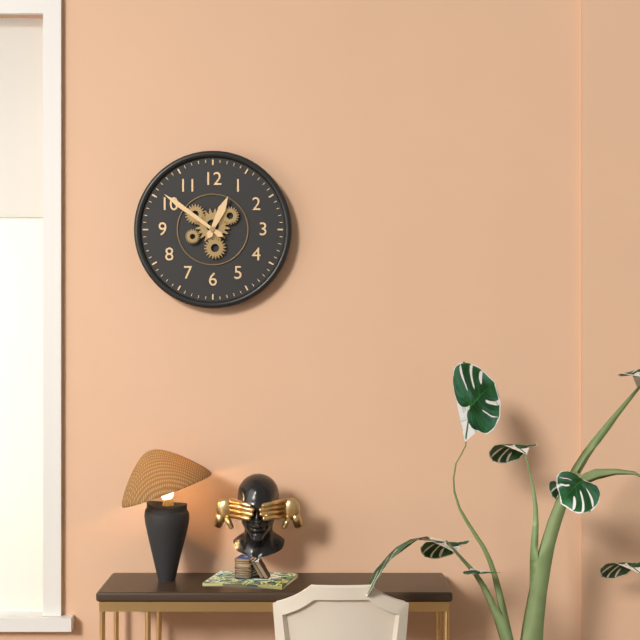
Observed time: 12:51
